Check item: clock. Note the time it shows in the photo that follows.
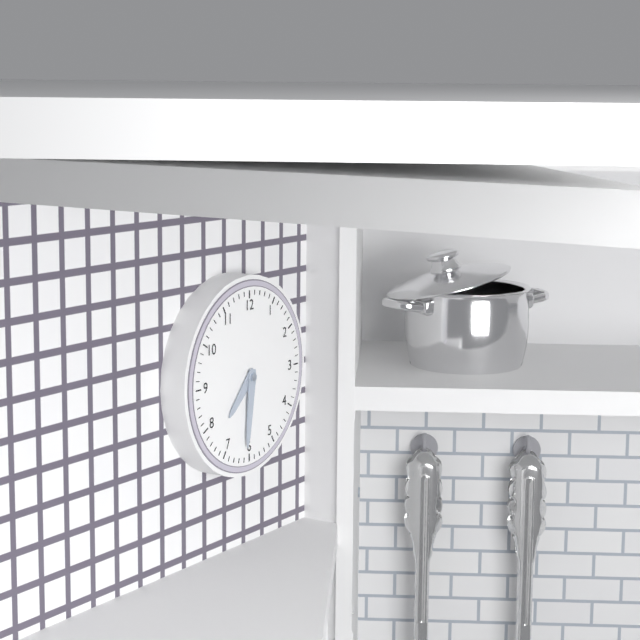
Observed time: 7:31
